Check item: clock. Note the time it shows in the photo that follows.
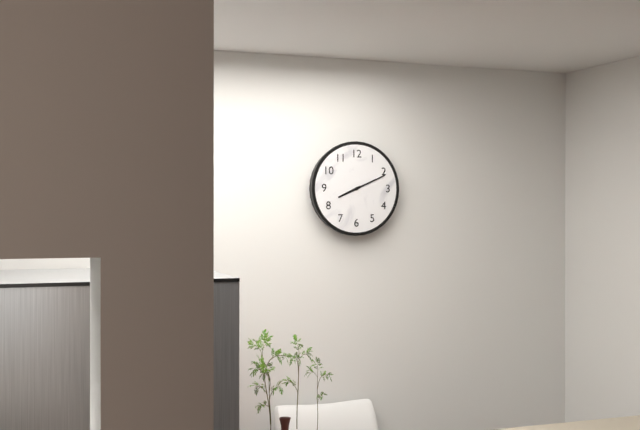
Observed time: 8:11
